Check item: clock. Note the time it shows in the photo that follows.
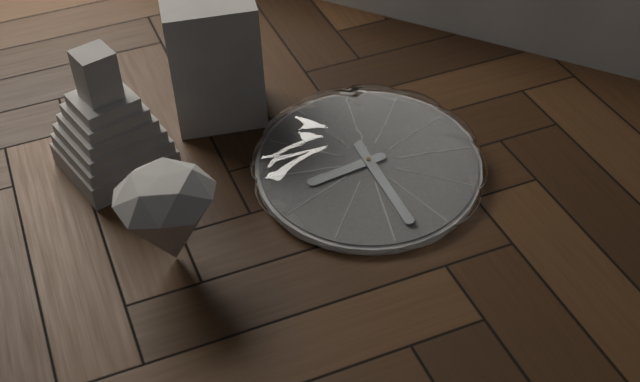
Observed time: 8:28
